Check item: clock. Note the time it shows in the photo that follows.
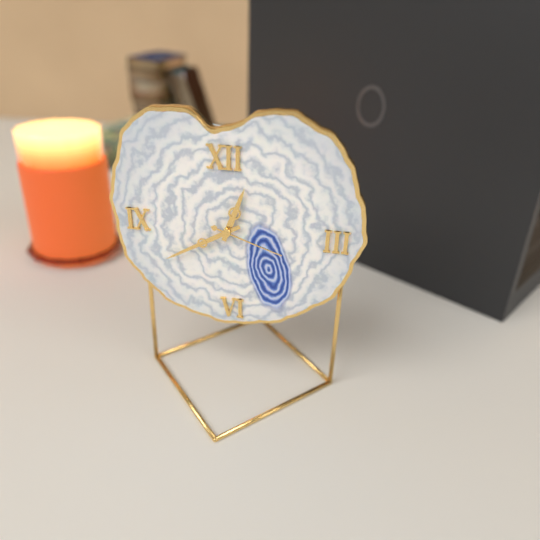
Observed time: 12:40:18
